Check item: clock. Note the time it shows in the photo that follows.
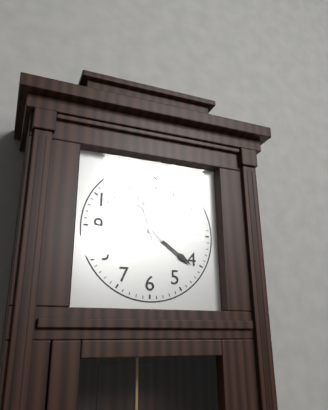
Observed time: 11:21
